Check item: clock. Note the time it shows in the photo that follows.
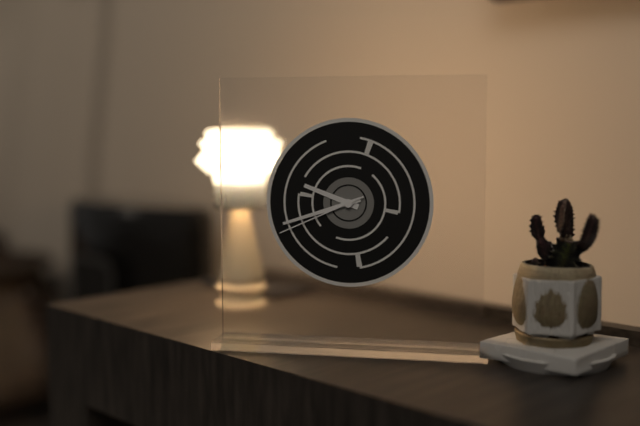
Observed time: 9:42:41
